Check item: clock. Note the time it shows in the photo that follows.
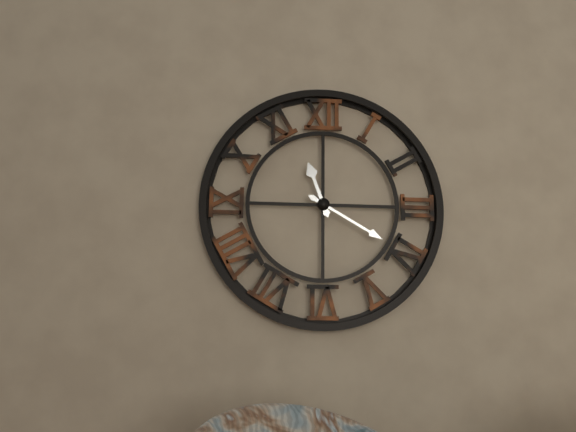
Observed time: 11:20
